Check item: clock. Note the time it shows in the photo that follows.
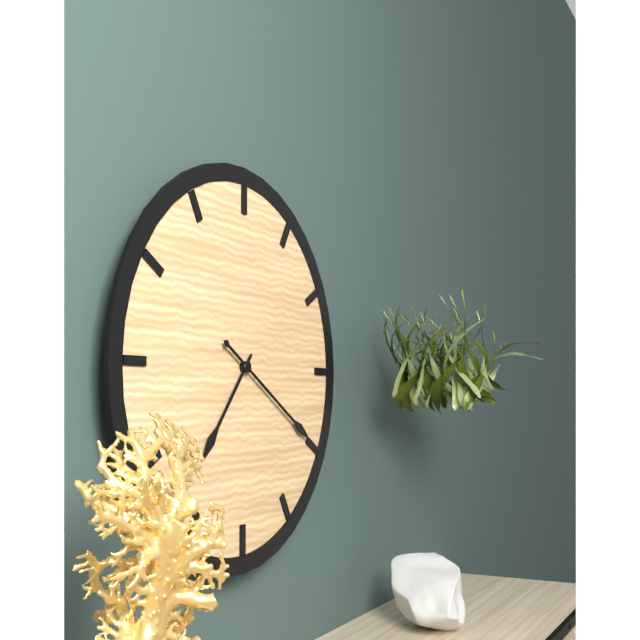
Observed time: 7:20
